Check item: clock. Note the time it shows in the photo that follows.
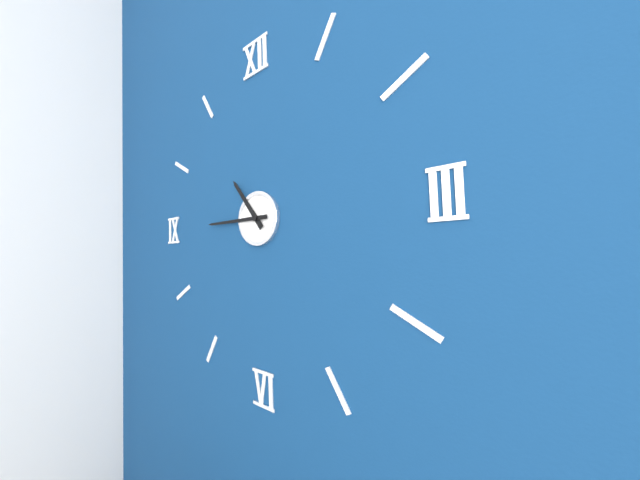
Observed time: 10:45
